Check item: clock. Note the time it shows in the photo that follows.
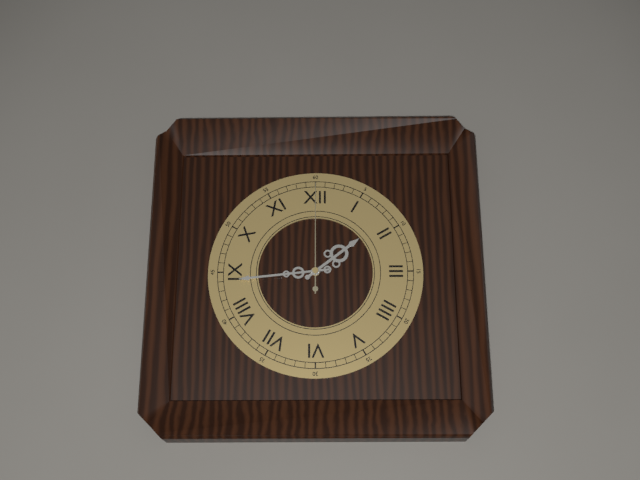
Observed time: 1:44:00
